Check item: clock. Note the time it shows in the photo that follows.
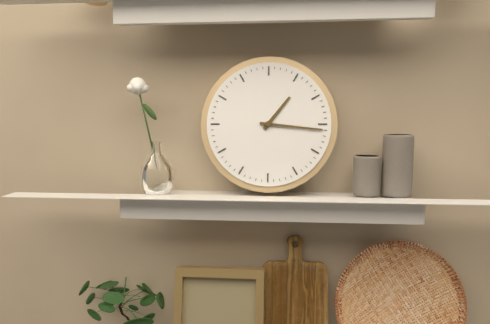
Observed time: 1:16
